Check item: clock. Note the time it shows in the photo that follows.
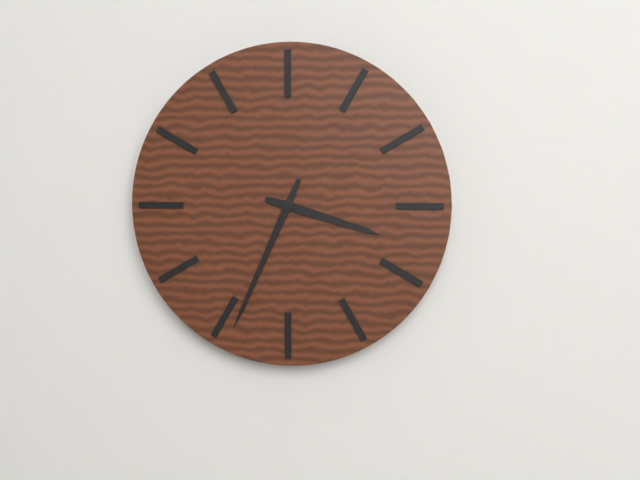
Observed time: 3:34
